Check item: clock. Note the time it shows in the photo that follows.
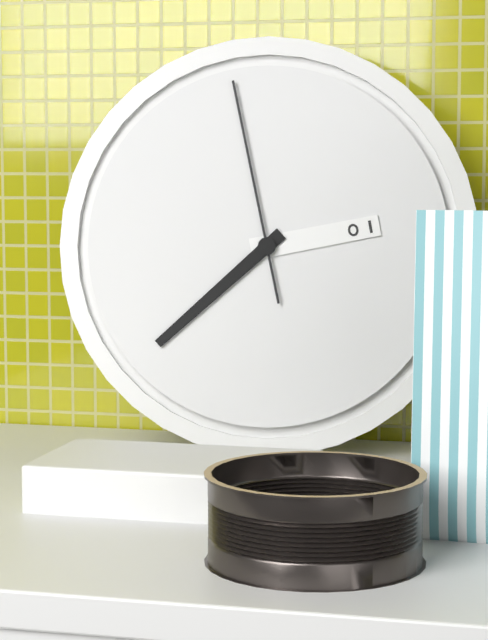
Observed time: 2:38:58
